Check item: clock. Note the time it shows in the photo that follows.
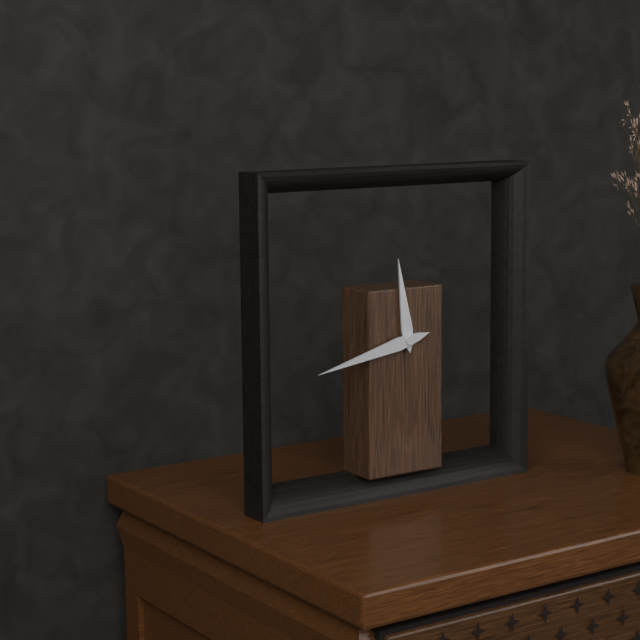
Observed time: 11:43
